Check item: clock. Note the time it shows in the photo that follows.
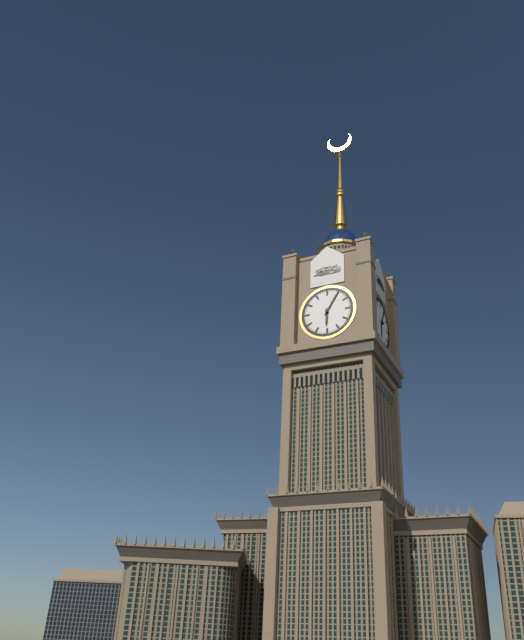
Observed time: 6:05
